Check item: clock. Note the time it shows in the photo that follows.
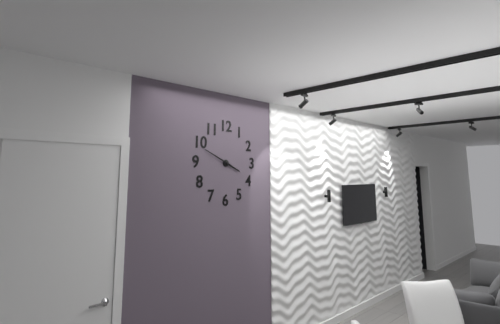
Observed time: 3:49
